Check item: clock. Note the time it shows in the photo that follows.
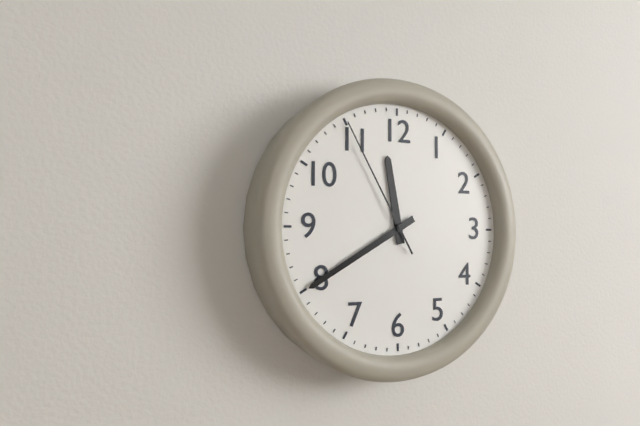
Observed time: 11:40:55
